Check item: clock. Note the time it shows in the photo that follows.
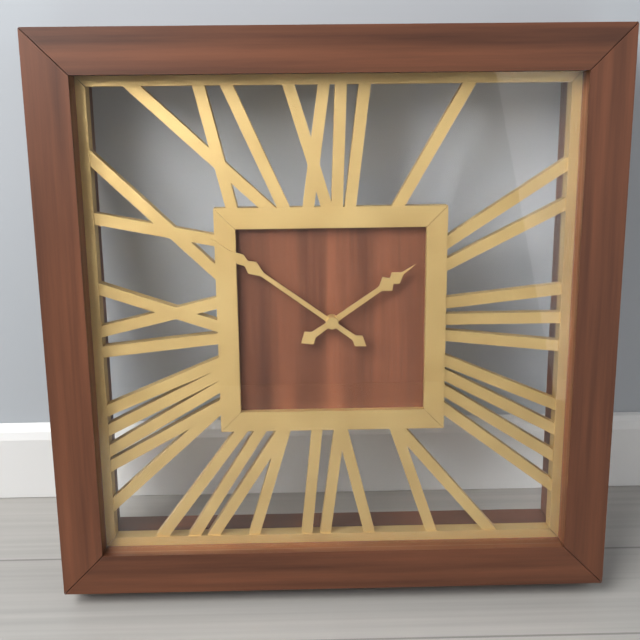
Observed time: 1:51
